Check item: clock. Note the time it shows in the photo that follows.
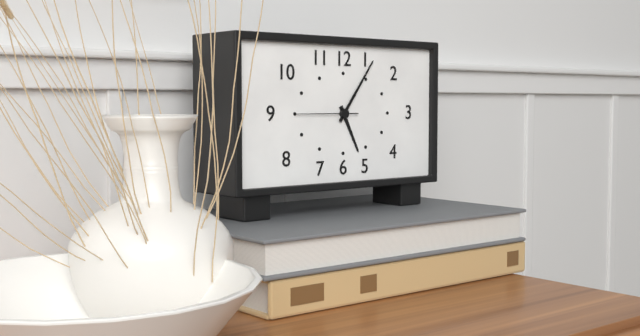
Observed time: 5:06:45
